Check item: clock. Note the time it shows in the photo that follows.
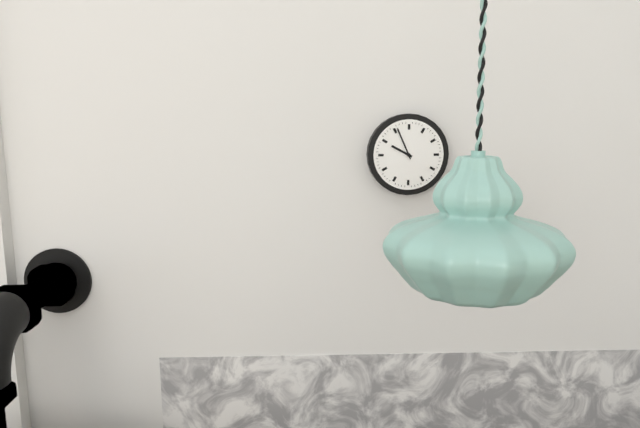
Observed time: 9:56
